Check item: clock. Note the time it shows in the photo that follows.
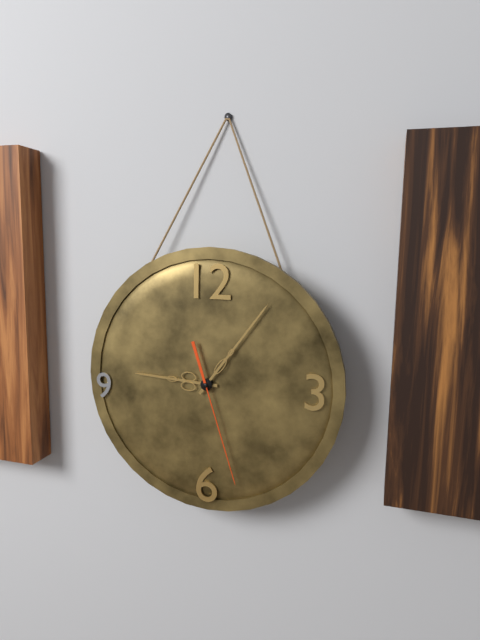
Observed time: 9:06:27
